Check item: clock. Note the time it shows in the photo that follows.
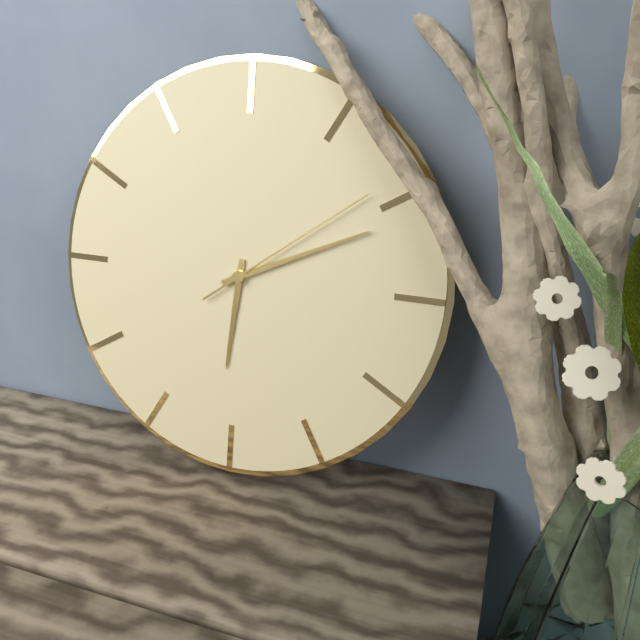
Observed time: 6:11:09
